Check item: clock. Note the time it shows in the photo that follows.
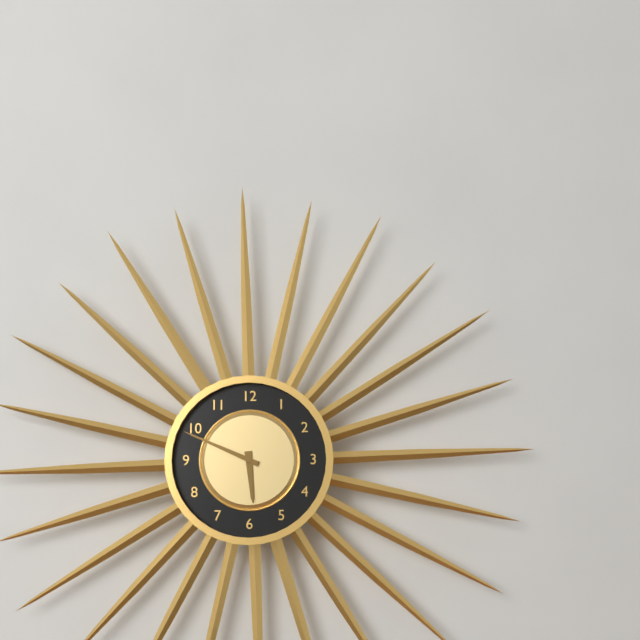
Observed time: 5:49
